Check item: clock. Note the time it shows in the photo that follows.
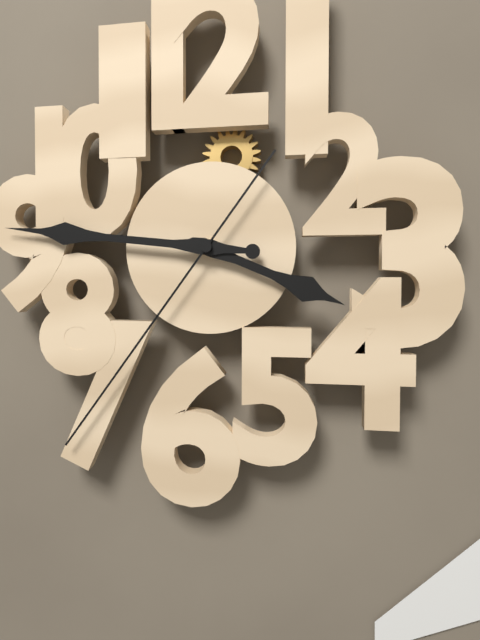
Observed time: 3:46:36
